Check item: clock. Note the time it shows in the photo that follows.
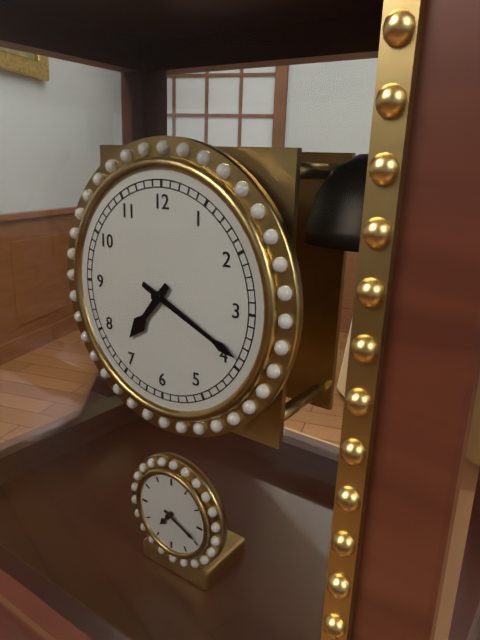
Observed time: 7:19
